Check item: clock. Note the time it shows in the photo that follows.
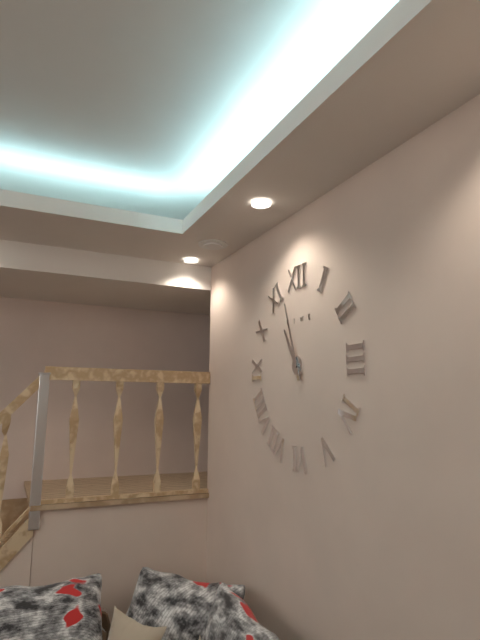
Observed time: 10:57
